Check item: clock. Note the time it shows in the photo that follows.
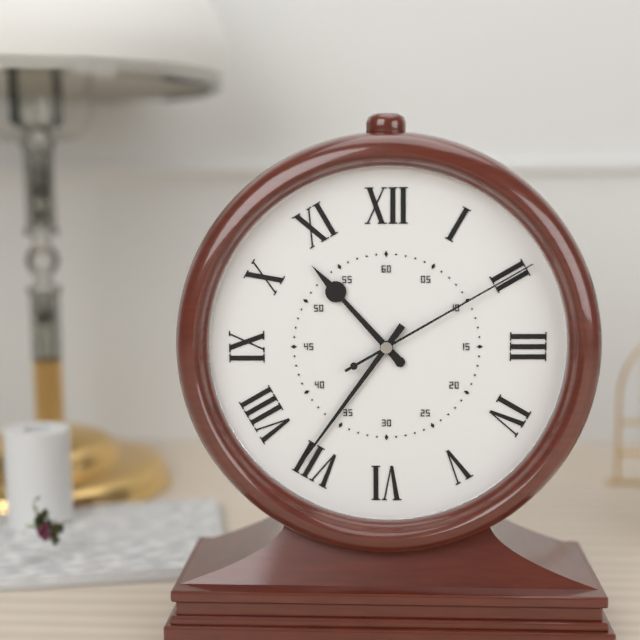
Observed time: 10:36:10
